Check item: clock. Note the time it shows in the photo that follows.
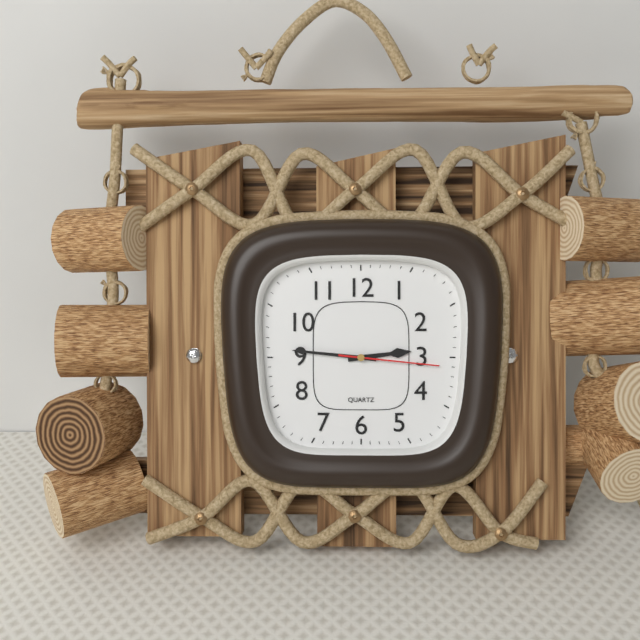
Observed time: 2:46:16
